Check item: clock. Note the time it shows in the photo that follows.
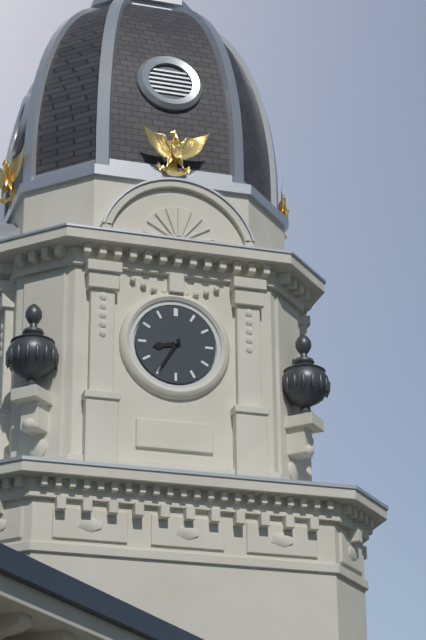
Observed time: 8:35
